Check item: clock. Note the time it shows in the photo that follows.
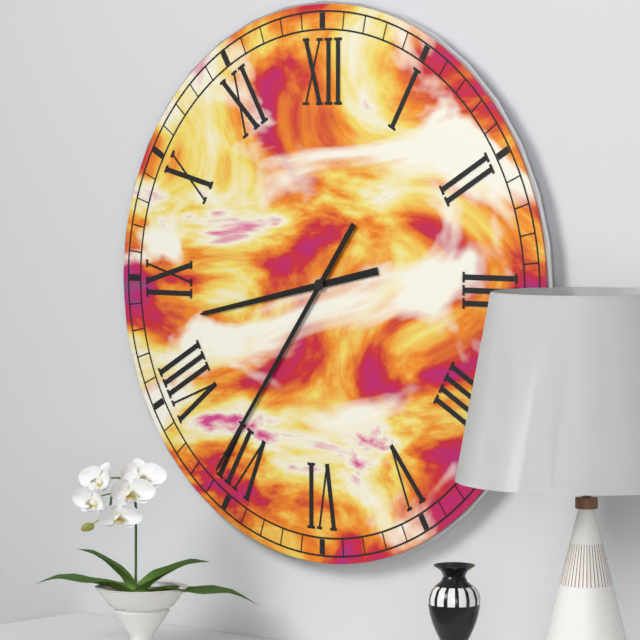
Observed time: 8:36
